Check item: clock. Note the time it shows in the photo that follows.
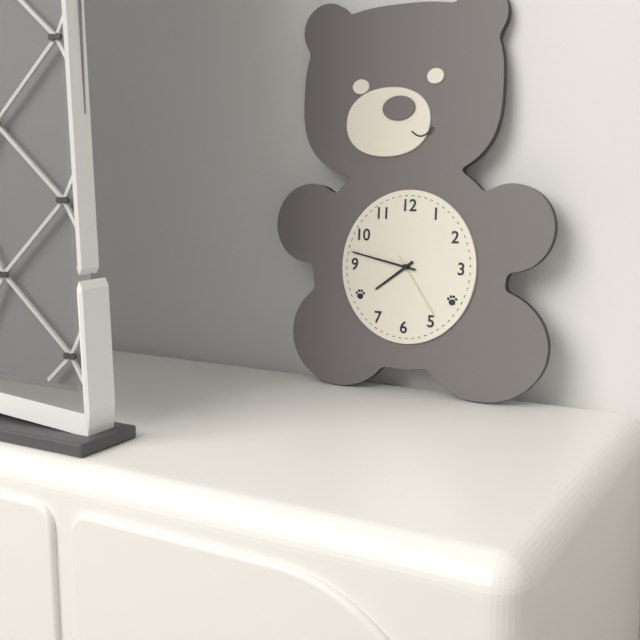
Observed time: 7:47:24
